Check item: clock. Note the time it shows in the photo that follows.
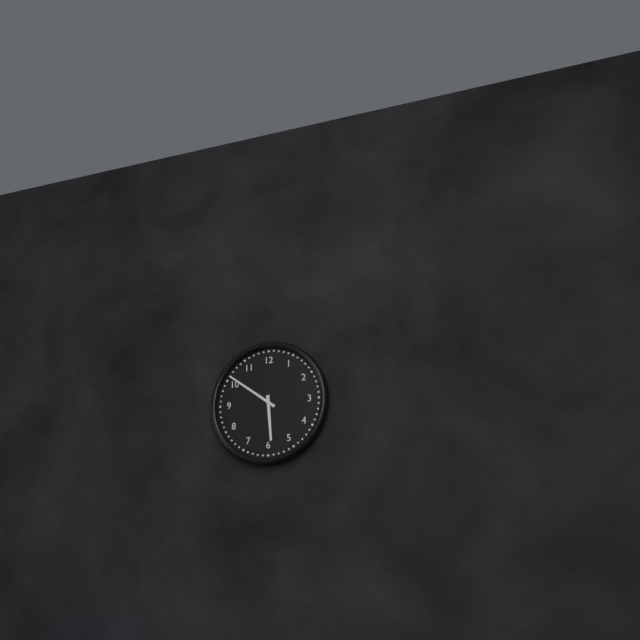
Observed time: 5:51
